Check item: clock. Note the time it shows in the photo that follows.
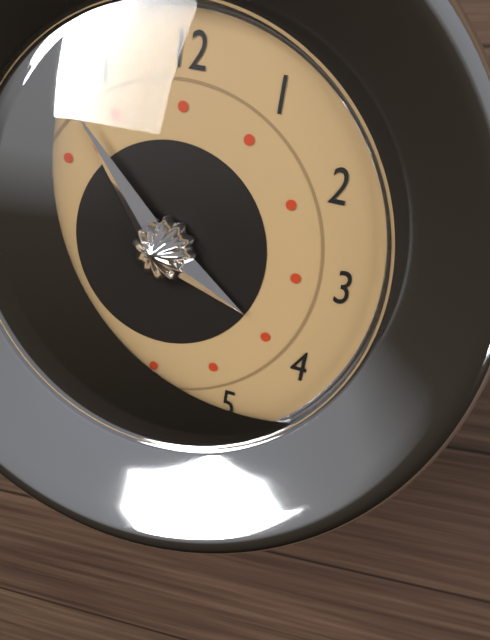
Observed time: 3:53
